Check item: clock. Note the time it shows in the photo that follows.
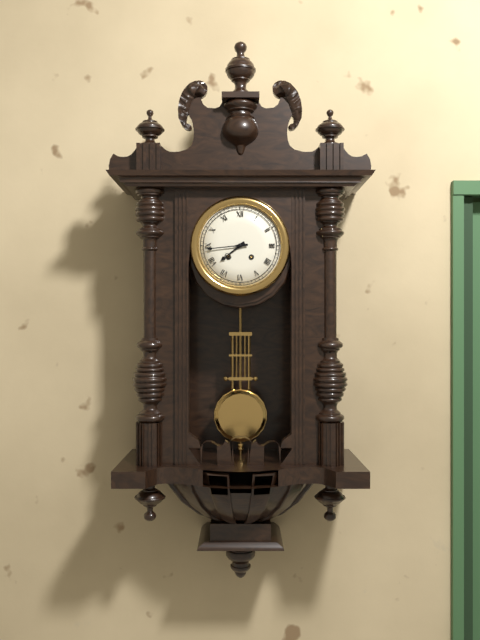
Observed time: 7:44
